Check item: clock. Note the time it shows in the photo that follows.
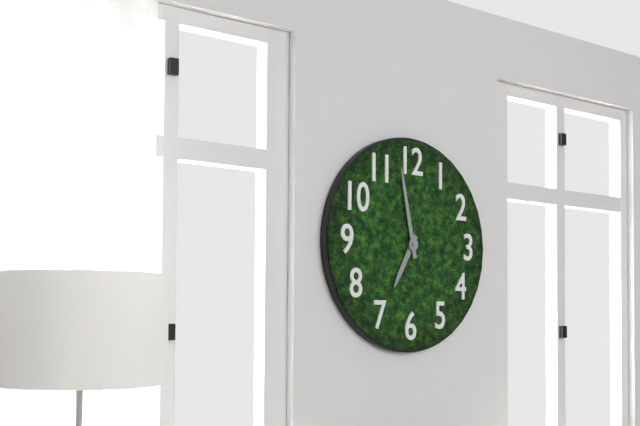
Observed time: 6:58
